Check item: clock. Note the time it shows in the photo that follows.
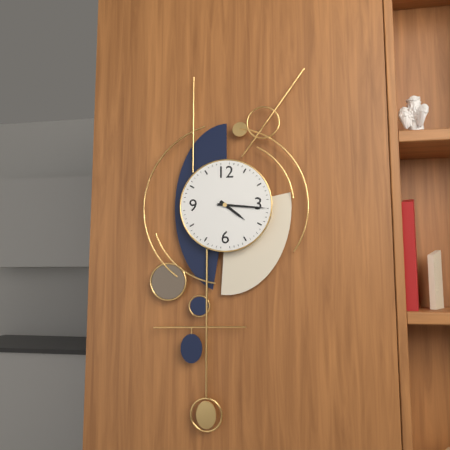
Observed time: 4:16
